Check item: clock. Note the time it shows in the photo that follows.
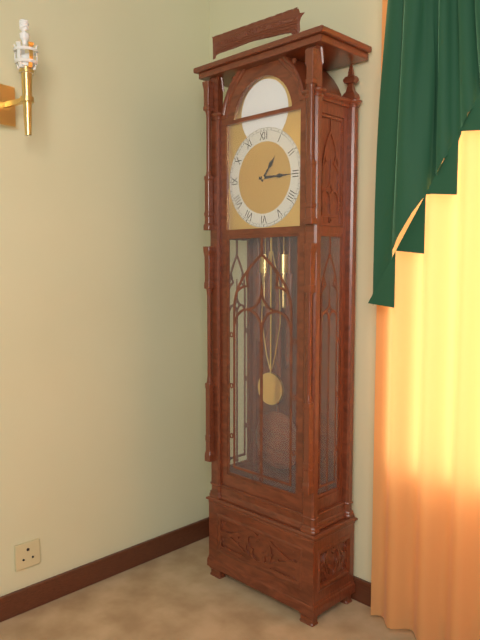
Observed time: 1:15
